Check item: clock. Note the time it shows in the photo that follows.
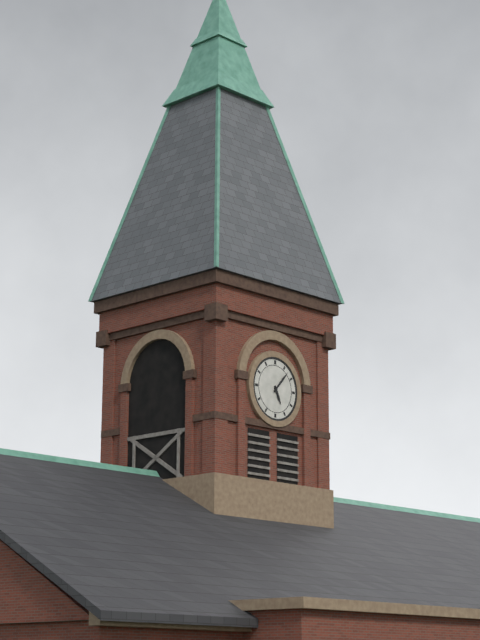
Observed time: 5:07
